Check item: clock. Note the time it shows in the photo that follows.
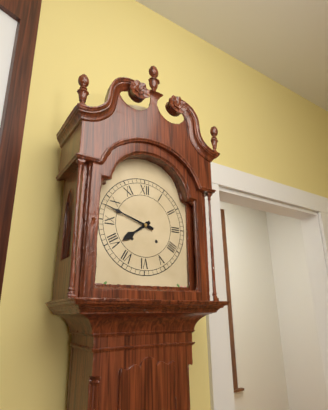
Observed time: 7:48
